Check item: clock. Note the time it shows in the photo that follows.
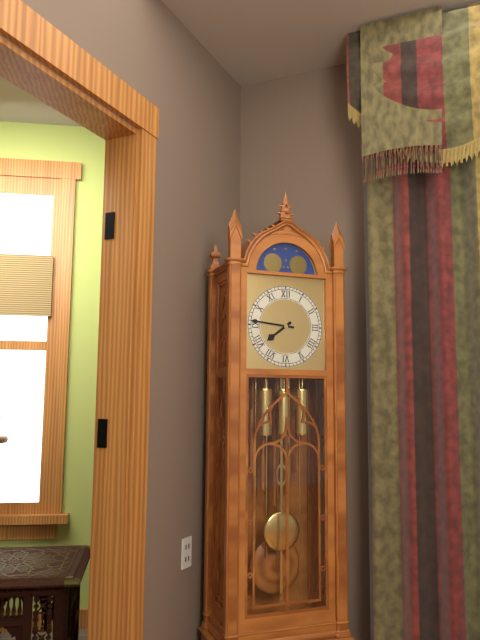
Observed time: 7:46
